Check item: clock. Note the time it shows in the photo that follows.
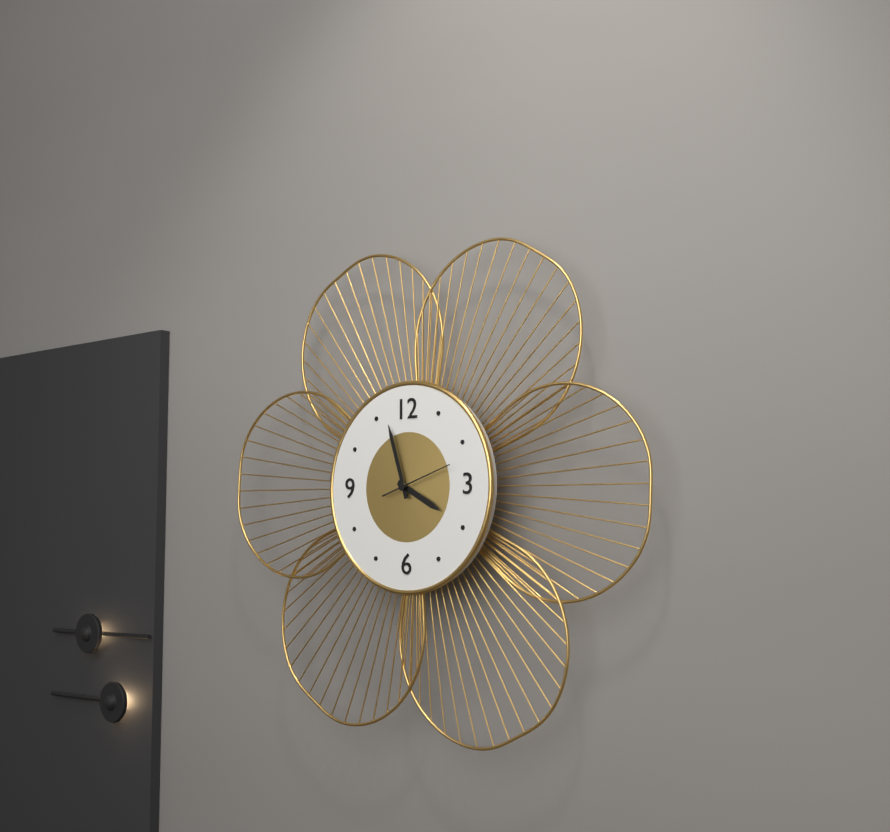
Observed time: 3:57:12
